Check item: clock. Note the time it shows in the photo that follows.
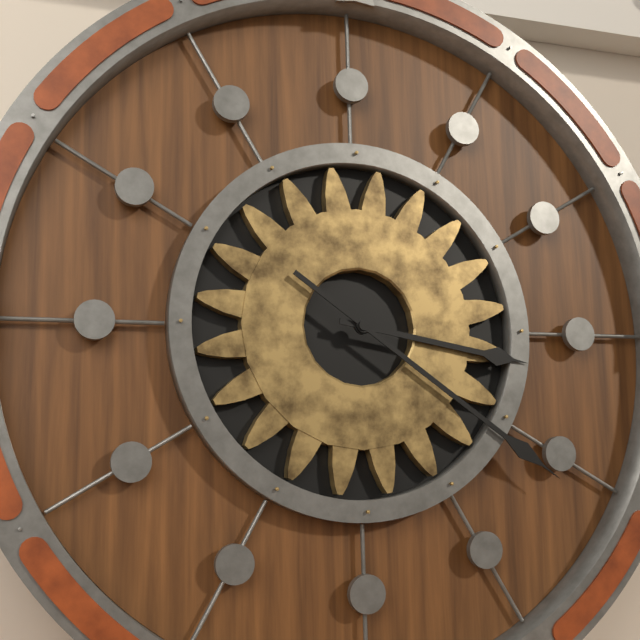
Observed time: 3:21
